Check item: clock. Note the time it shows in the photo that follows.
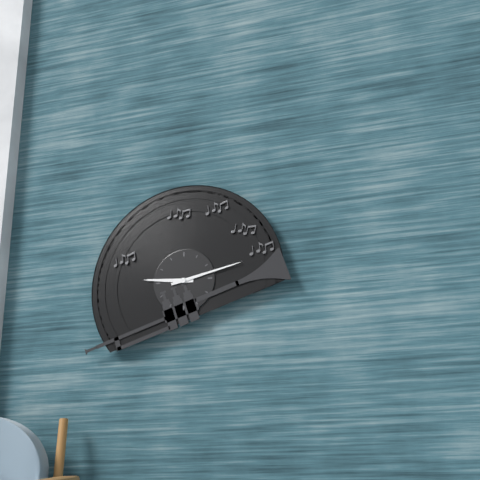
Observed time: 9:13
